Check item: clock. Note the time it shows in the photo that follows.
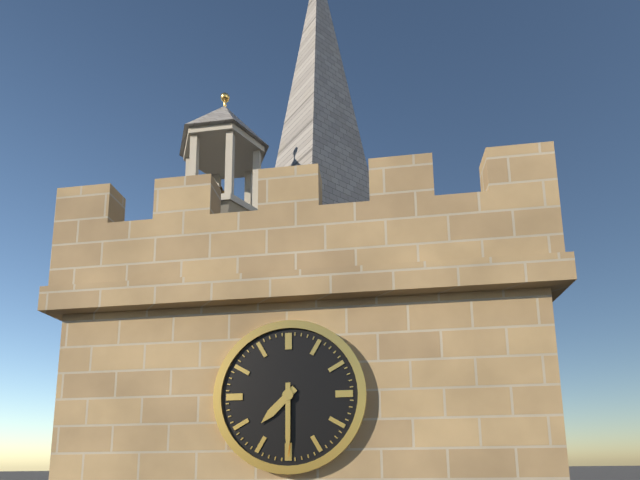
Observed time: 7:30
